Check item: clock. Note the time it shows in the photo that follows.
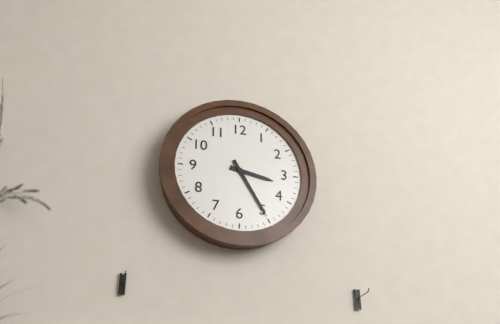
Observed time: 3:25
